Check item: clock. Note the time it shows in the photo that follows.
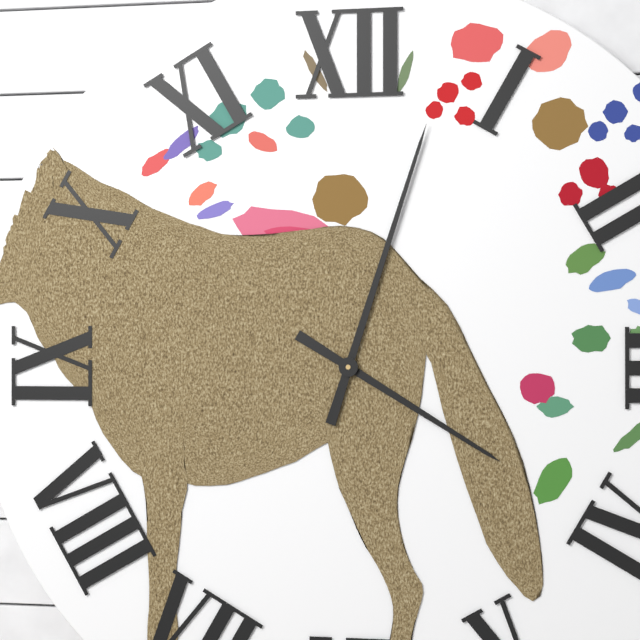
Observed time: 4:03
